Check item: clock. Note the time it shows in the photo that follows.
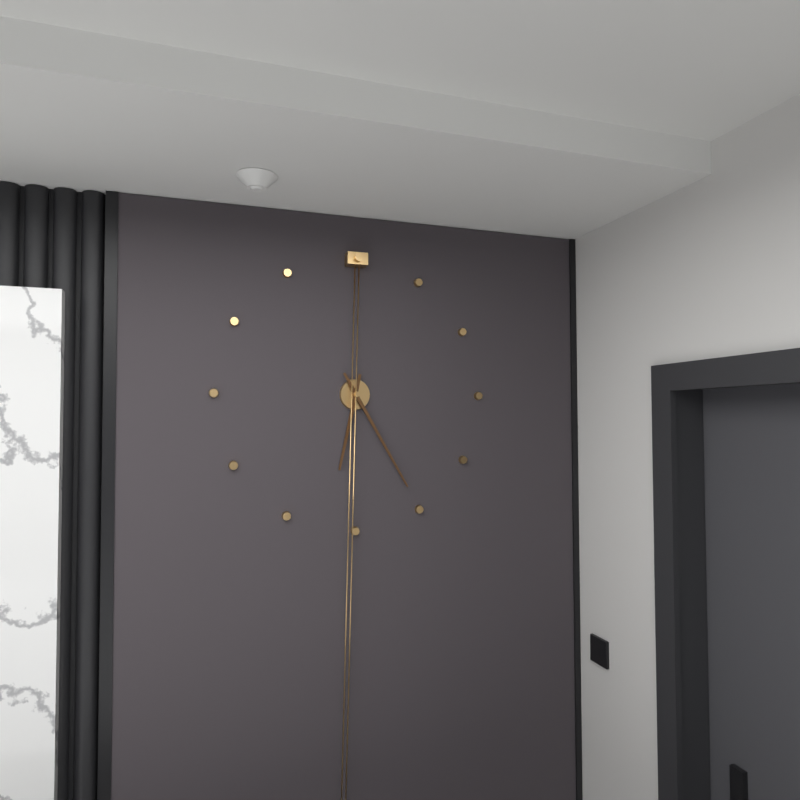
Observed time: 6:25
